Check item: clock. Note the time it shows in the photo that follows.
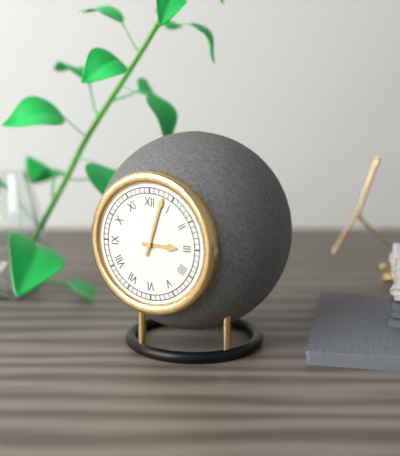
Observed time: 3:03
